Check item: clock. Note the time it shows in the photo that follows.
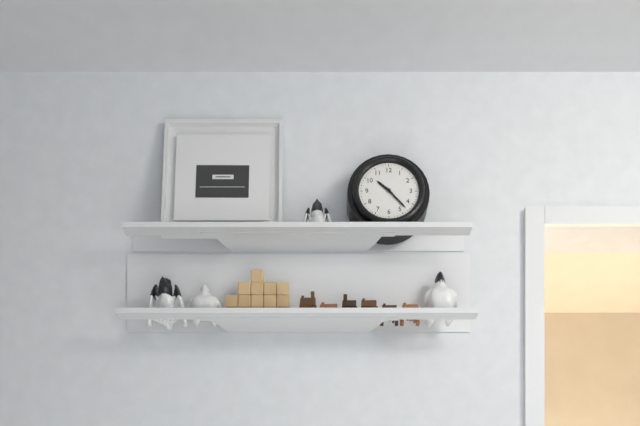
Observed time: 10:23
